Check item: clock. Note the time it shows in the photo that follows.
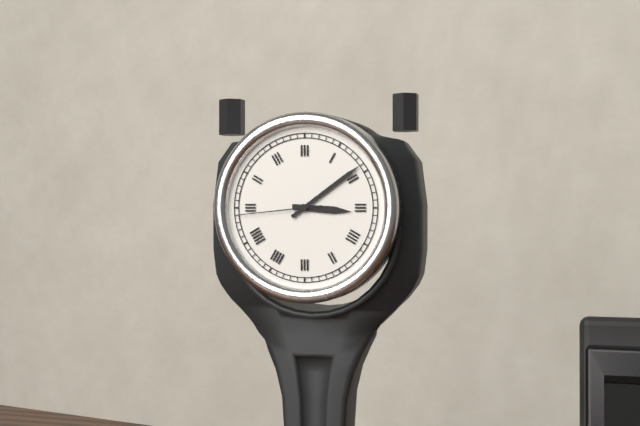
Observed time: 3:09:44
